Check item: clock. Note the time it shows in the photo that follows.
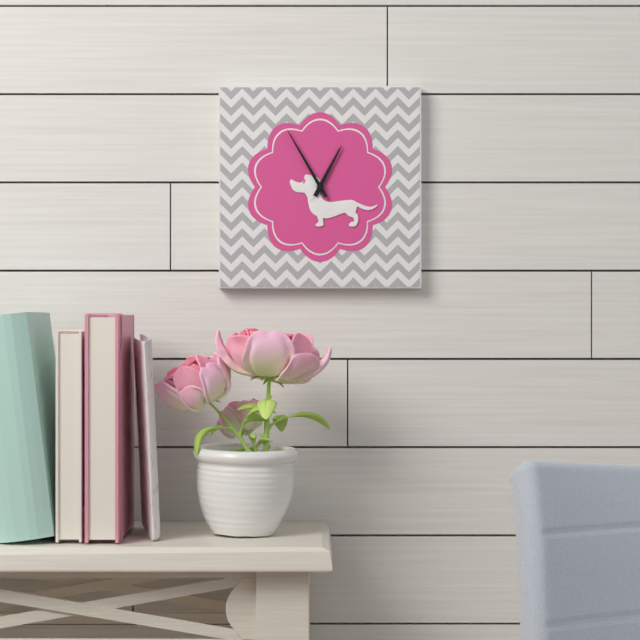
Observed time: 12:55
